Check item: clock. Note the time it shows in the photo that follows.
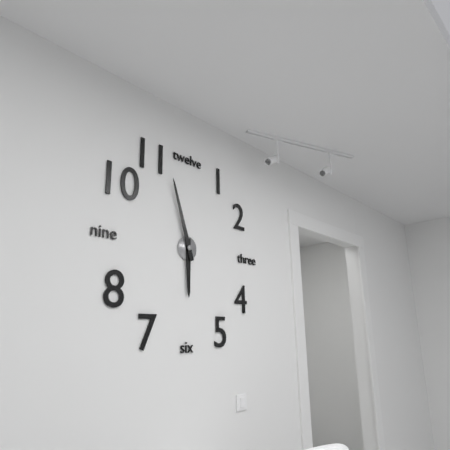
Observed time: 5:57
